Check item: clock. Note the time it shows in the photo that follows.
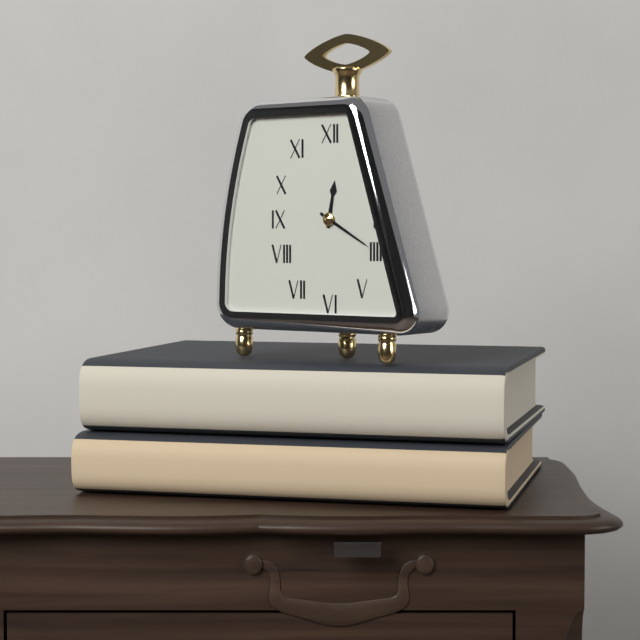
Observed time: 12:20
